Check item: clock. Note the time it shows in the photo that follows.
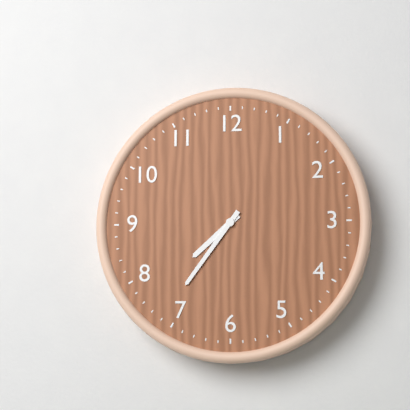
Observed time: 7:36
